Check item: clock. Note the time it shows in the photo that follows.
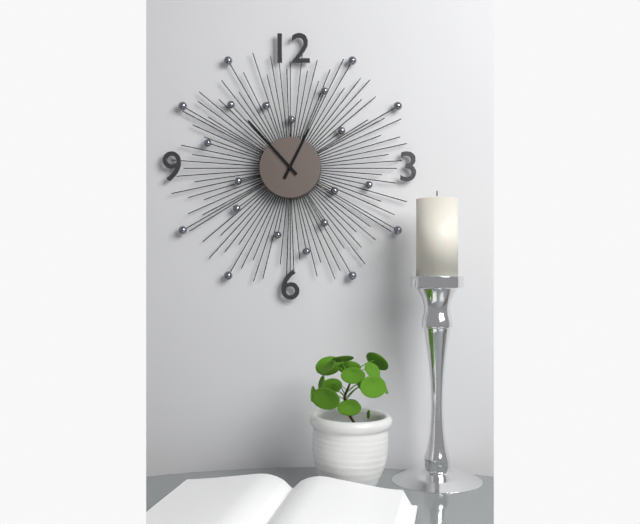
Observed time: 12:53
